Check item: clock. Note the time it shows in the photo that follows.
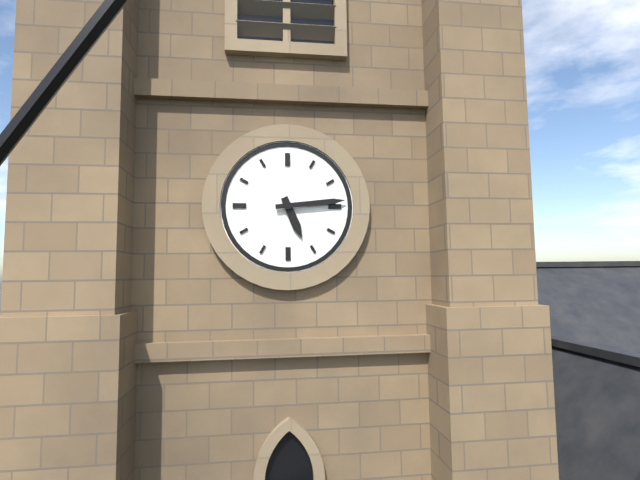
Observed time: 5:14
